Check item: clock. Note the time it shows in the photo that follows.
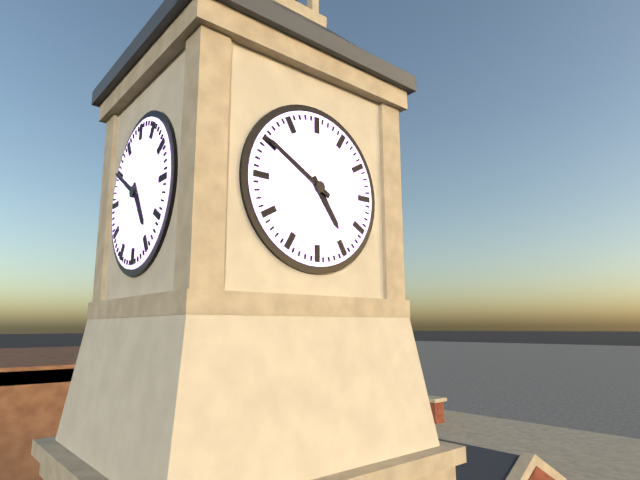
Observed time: 4:50
